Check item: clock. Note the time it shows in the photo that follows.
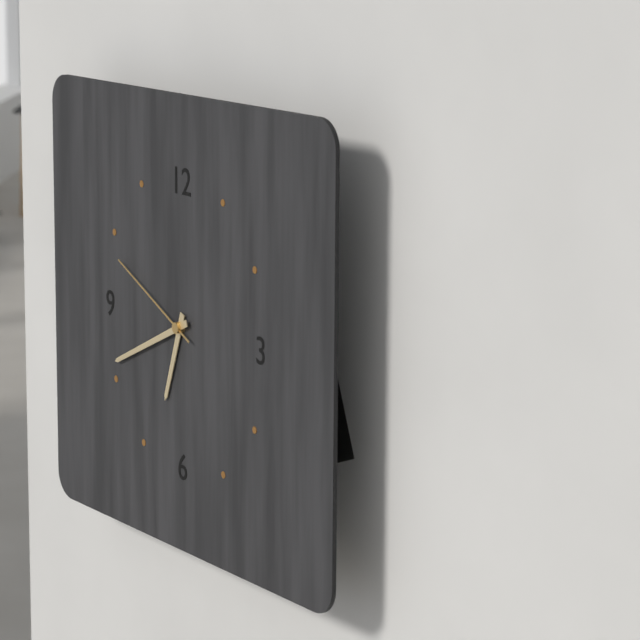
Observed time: 6:41:49
